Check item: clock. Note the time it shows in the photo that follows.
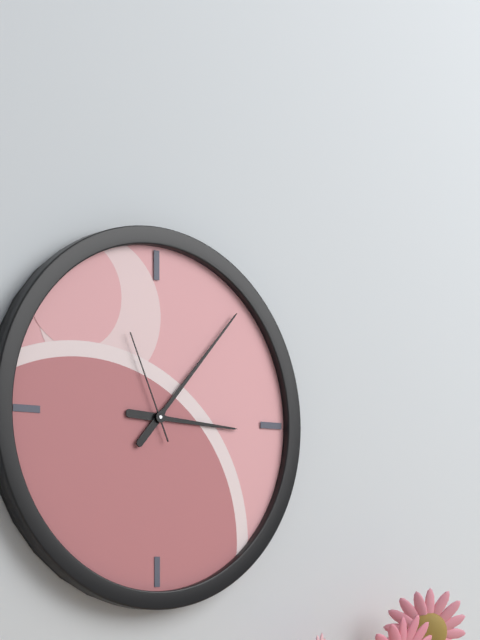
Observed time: 3:07:56
